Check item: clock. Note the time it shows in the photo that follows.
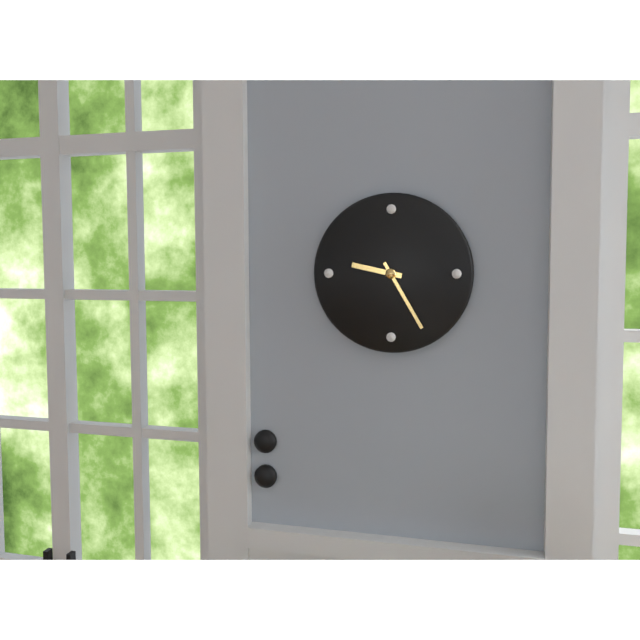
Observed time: 9:25
